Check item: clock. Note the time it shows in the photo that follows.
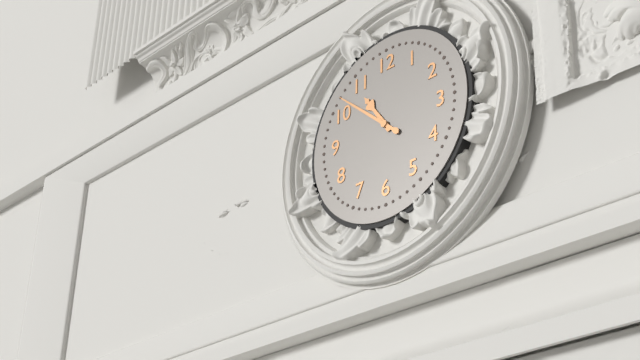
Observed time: 10:52
